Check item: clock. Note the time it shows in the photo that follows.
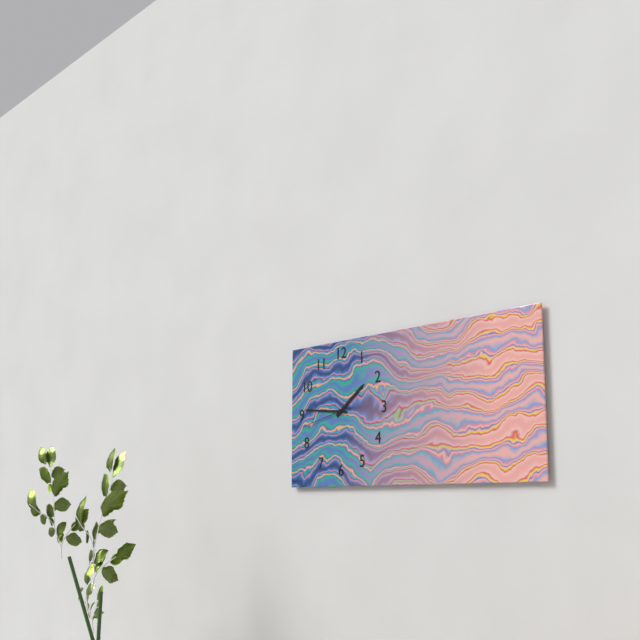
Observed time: 1:46:43
